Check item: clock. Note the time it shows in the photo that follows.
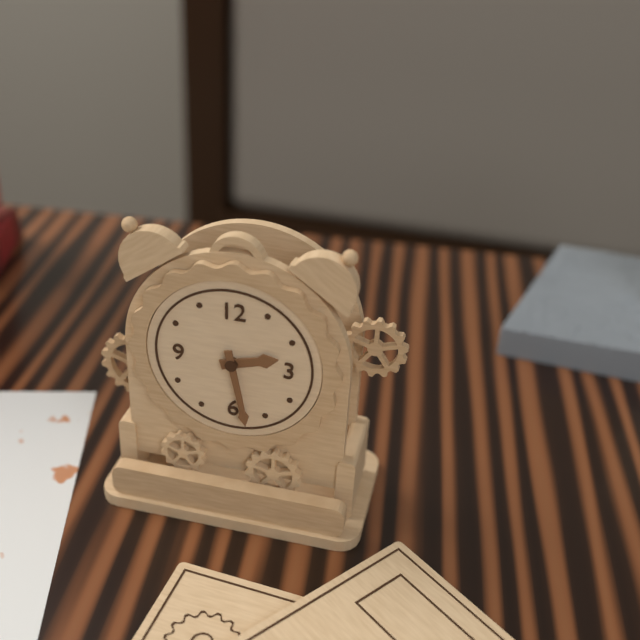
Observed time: 2:28
